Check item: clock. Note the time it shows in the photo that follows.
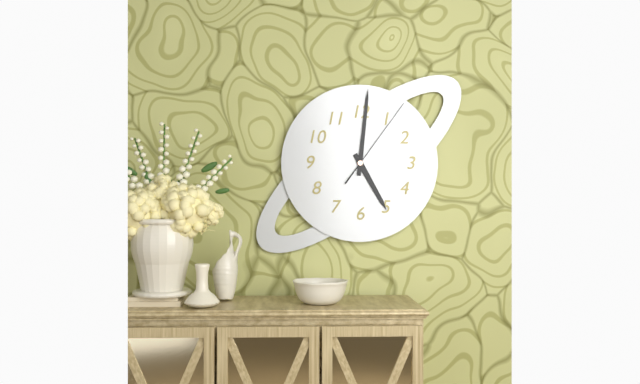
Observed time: 5:01:06
